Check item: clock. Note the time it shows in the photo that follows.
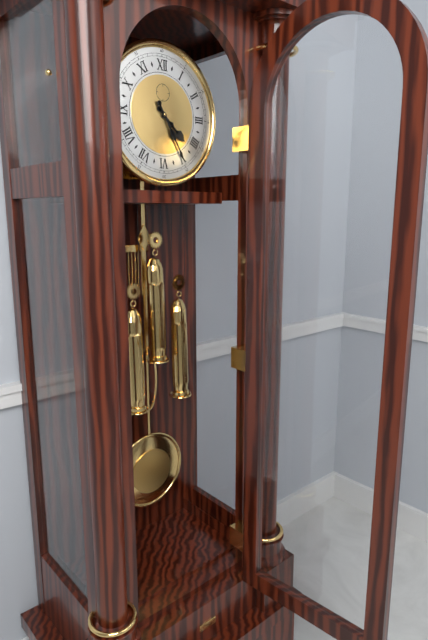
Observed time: 4:25
